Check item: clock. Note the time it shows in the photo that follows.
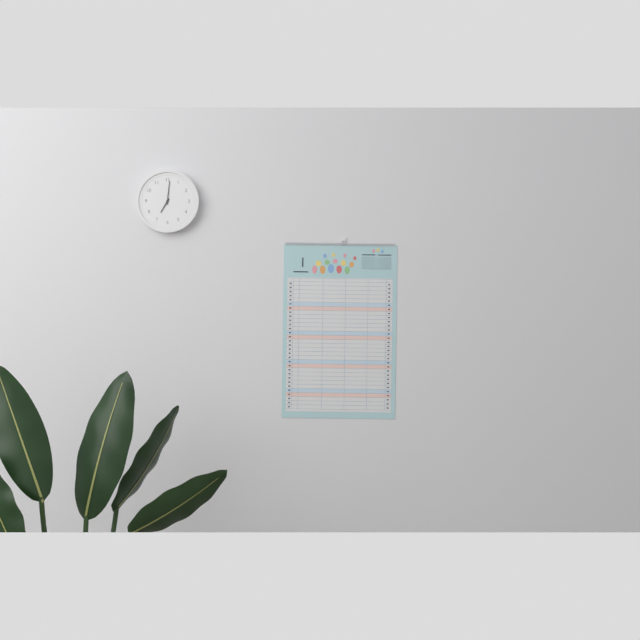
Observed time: 7:01
